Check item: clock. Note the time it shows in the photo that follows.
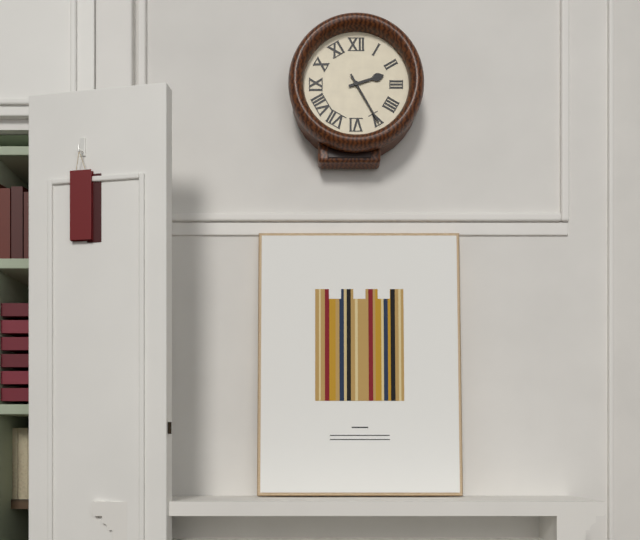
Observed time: 2:25
